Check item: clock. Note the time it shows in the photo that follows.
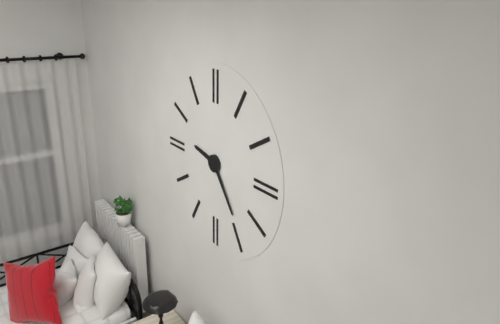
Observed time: 9:24
